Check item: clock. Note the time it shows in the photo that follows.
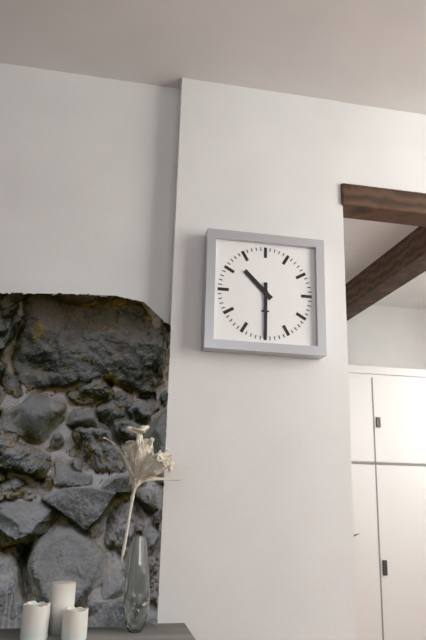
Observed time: 10:30
